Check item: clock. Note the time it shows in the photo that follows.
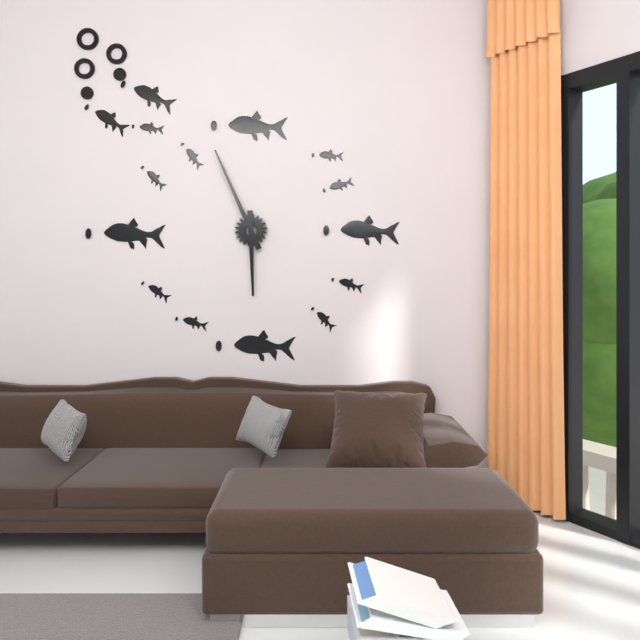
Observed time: 5:56
